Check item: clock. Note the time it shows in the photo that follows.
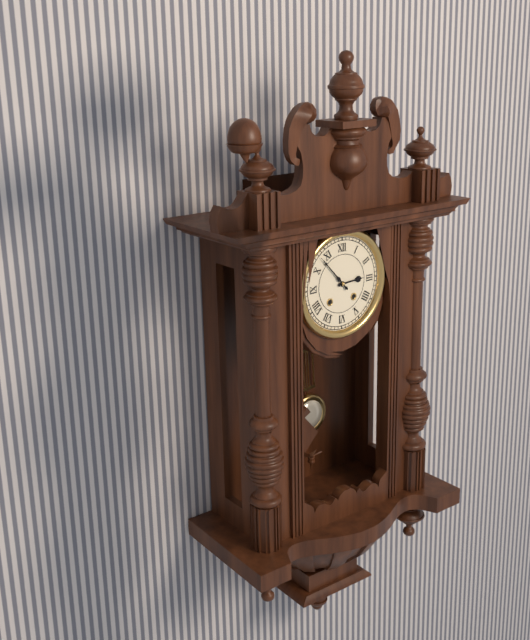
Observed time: 2:53
